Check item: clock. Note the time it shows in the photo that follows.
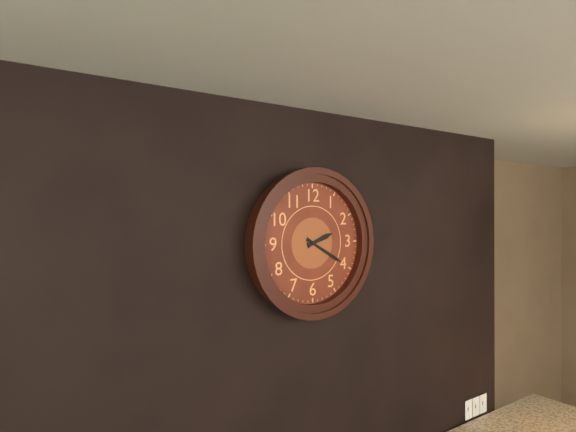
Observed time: 2:20
